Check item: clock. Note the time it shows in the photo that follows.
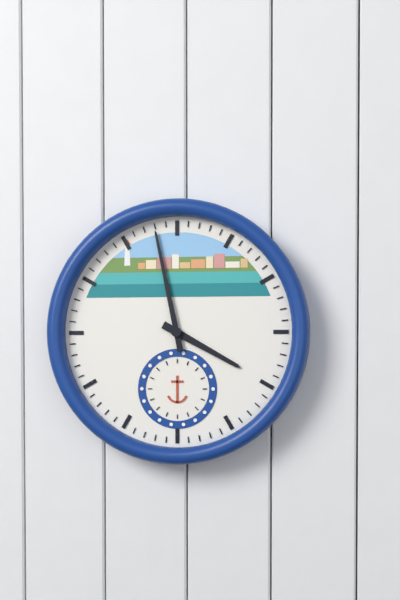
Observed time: 3:58
